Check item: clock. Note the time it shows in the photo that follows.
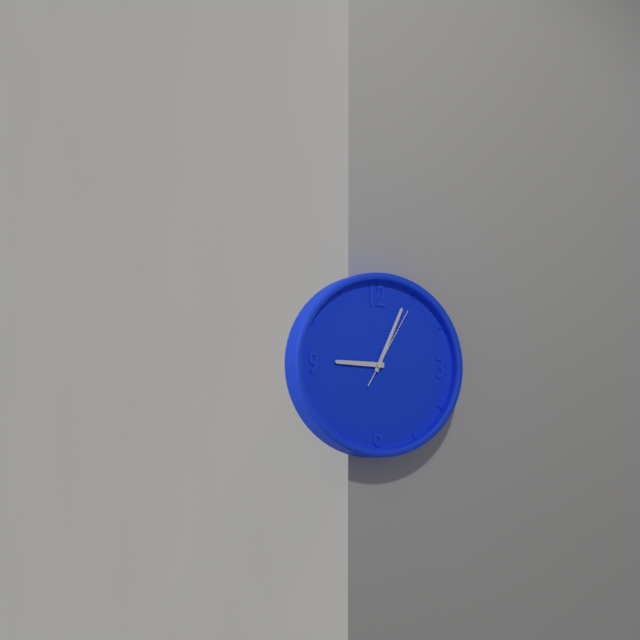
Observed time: 9:04:05
